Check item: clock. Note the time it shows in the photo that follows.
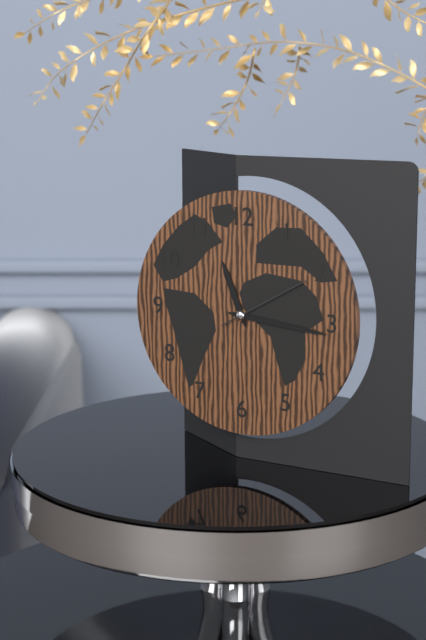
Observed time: 11:16:10
